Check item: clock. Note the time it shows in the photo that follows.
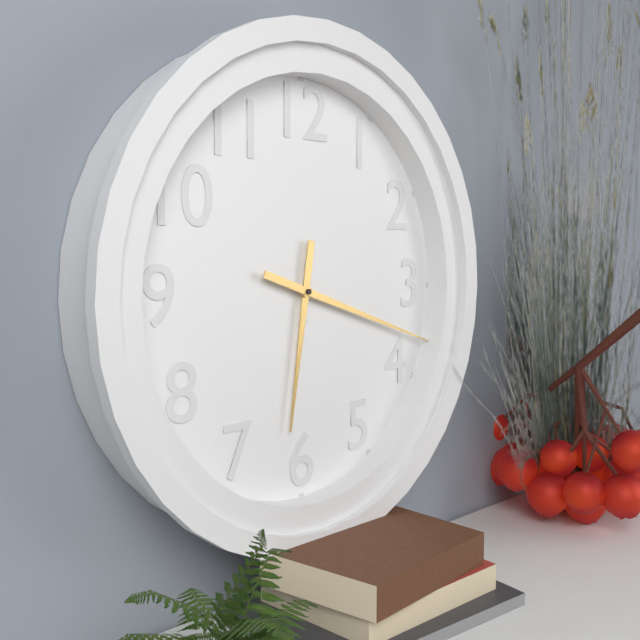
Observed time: 6:18
